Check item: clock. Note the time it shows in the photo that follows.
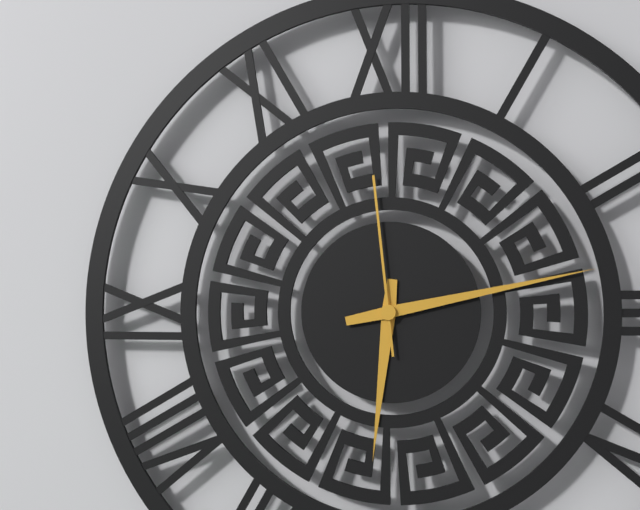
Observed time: 6:13:59
